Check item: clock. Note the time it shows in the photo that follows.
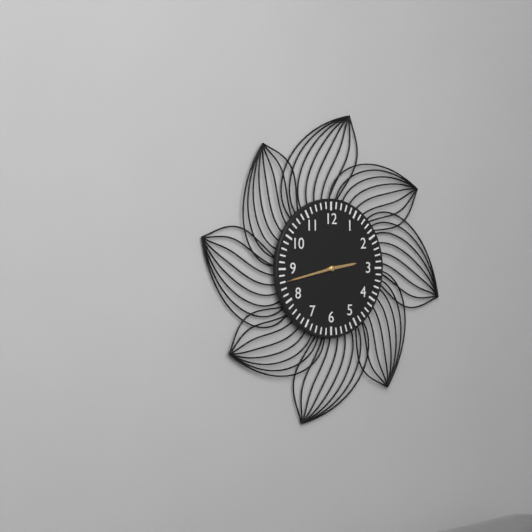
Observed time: 2:43:43
